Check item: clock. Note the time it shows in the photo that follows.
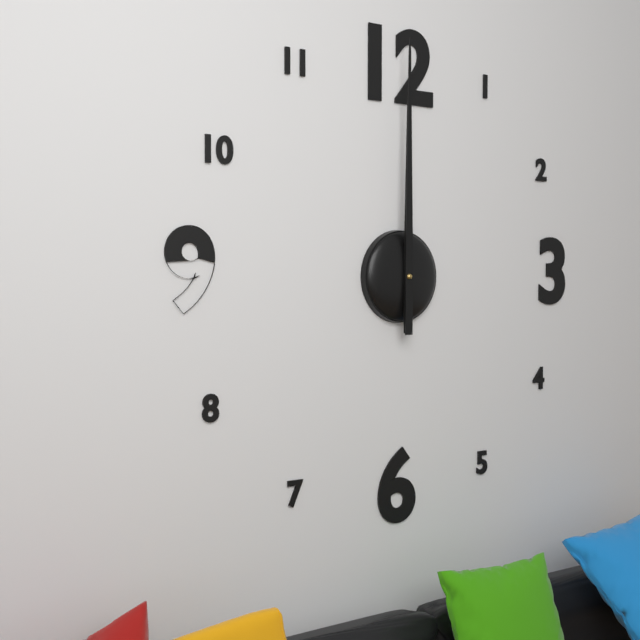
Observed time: 12:00
